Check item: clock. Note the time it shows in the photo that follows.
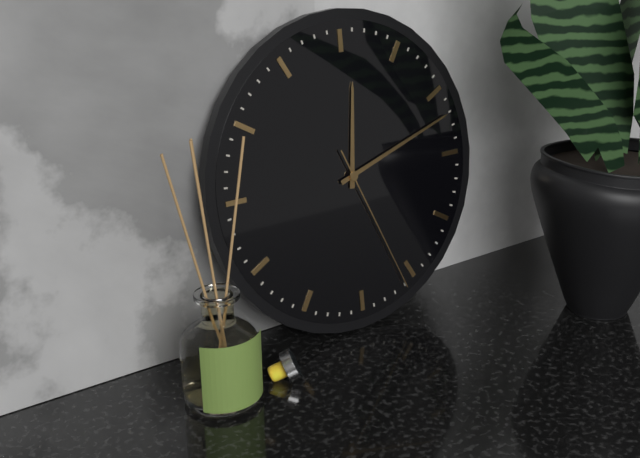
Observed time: 12:12:26
